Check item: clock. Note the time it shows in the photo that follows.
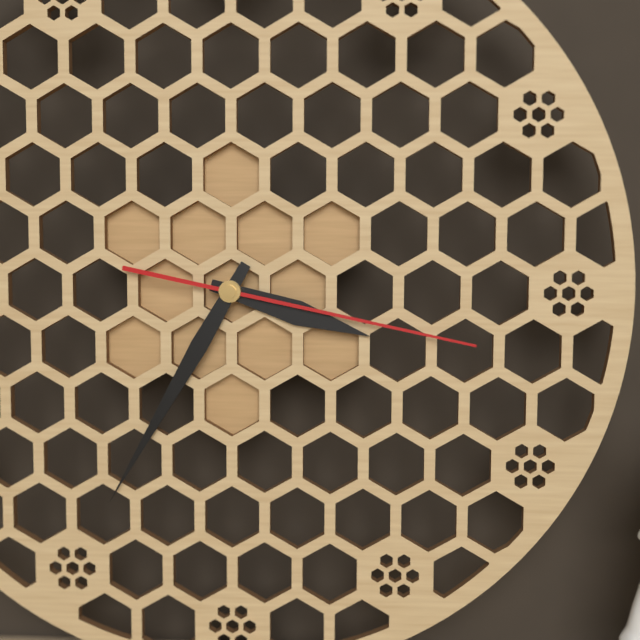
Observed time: 3:35:17
